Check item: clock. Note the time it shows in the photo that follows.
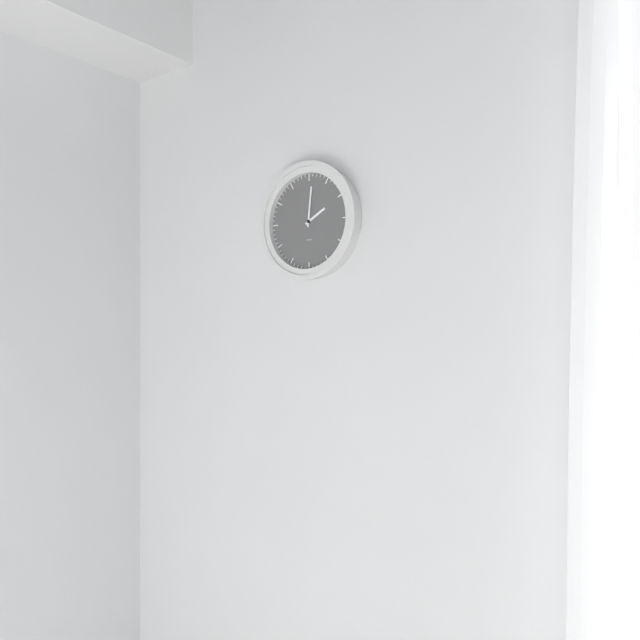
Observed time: 2:01
